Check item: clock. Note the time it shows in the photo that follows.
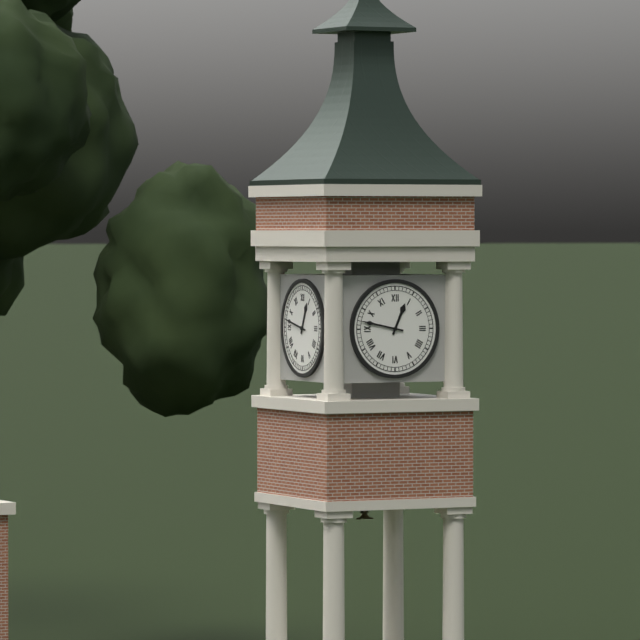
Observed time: 12:47
